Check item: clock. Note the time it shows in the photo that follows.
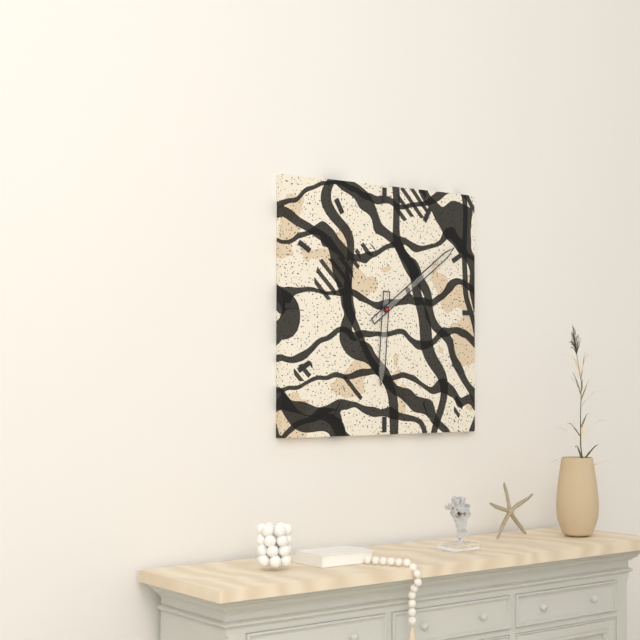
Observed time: 6:09
